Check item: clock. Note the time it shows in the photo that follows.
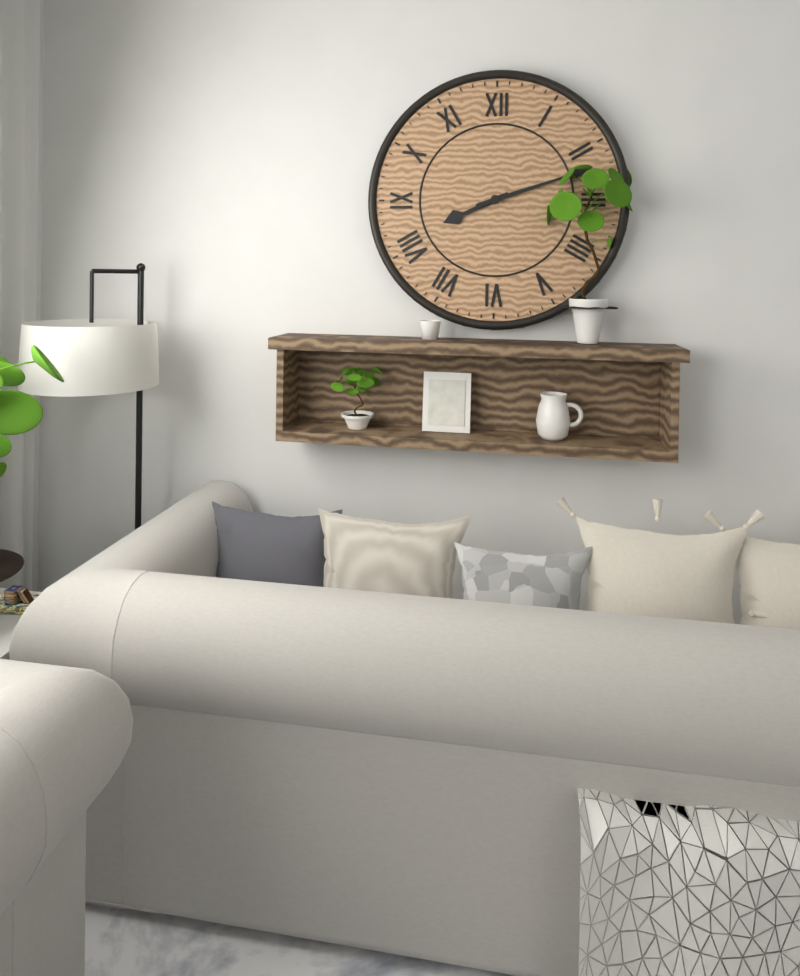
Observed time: 8:12
